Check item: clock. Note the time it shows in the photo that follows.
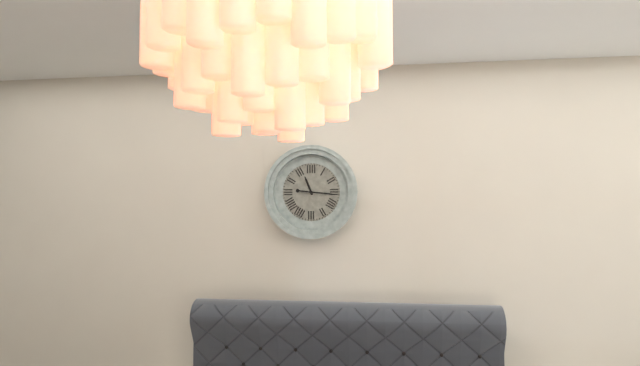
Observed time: 11:16
